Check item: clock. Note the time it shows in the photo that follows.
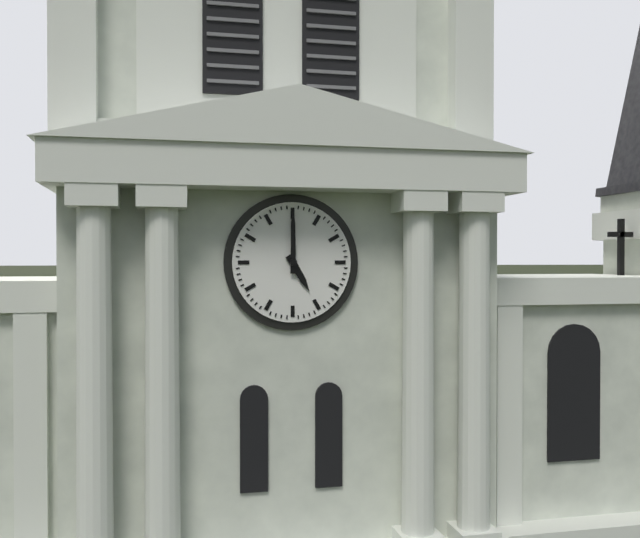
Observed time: 5:00
